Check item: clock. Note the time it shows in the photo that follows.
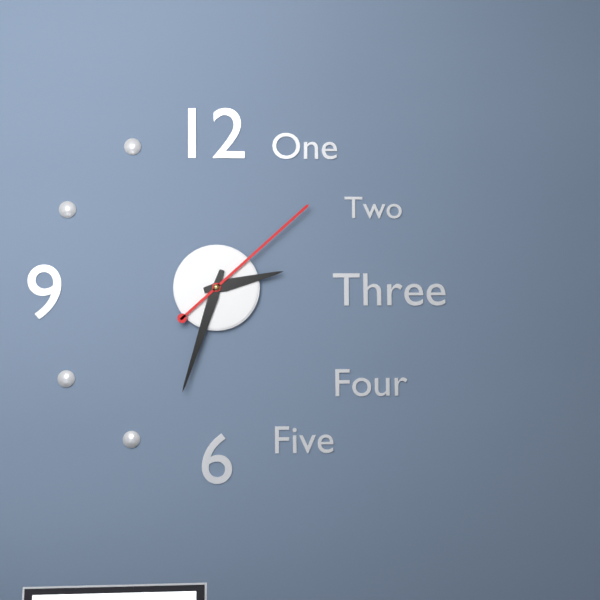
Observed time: 2:33:08
